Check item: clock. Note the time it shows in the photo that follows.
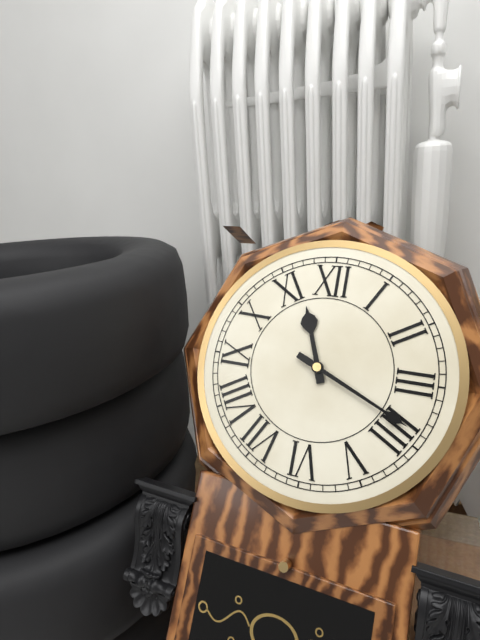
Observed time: 11:19
